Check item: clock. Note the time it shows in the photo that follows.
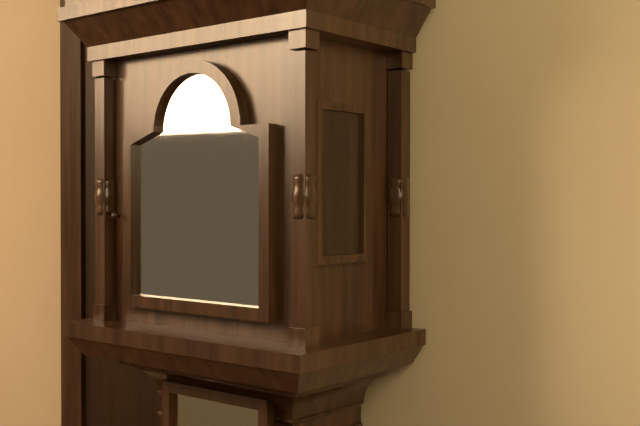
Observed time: 1:00
